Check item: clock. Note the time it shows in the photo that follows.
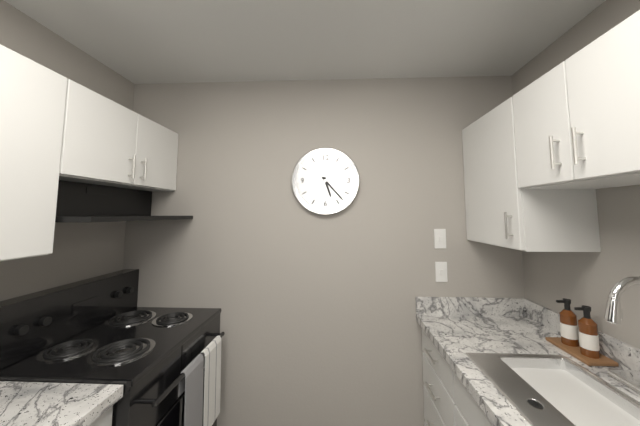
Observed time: 5:23
